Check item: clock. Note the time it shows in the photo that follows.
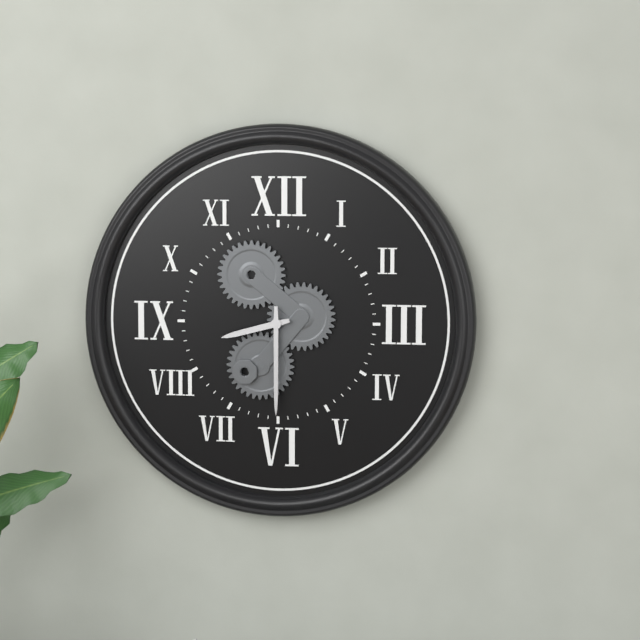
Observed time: 8:30
